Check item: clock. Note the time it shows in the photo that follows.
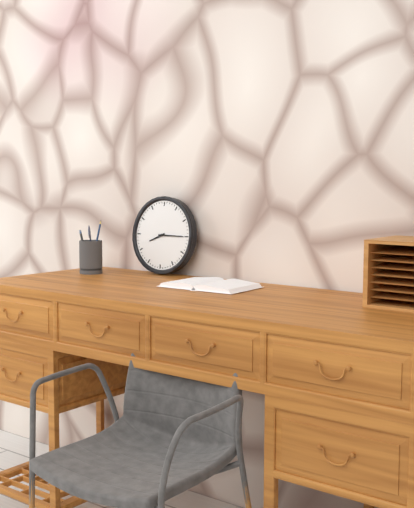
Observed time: 8:15
